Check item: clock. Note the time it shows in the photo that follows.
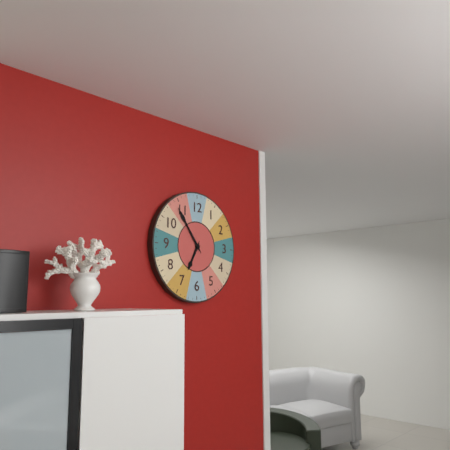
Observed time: 6:54
